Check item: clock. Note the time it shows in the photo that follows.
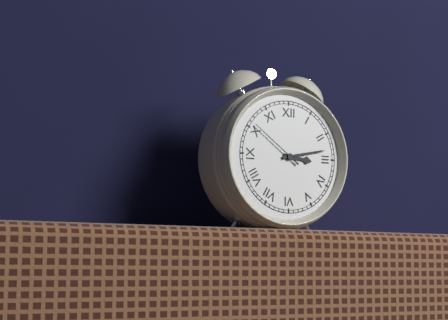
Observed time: 3:13:51
